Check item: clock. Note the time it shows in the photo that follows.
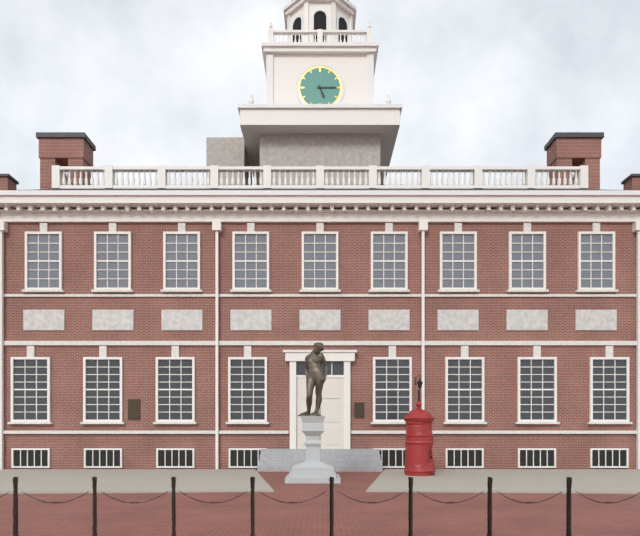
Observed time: 5:15
